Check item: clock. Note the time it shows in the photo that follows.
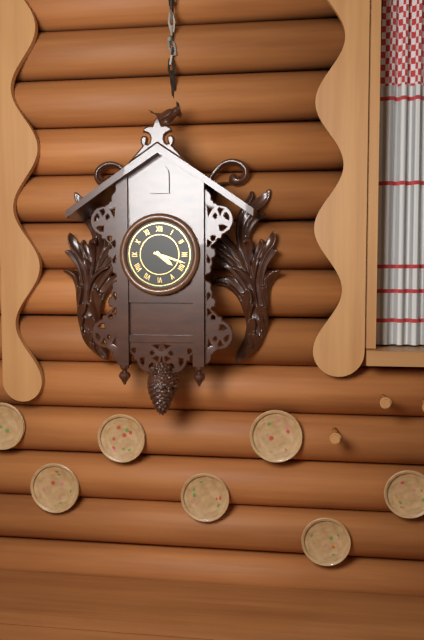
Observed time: 4:18
